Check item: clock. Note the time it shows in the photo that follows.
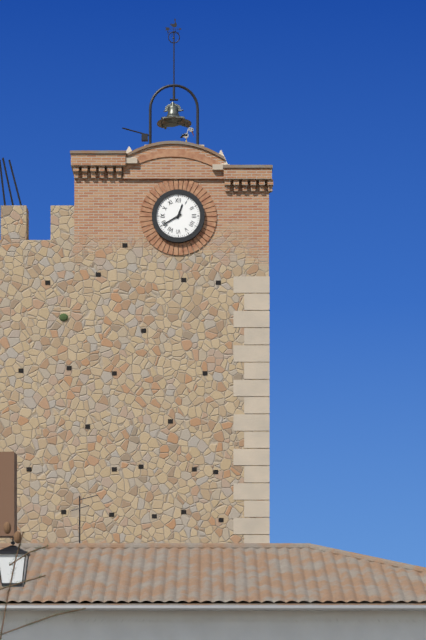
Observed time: 12:40
